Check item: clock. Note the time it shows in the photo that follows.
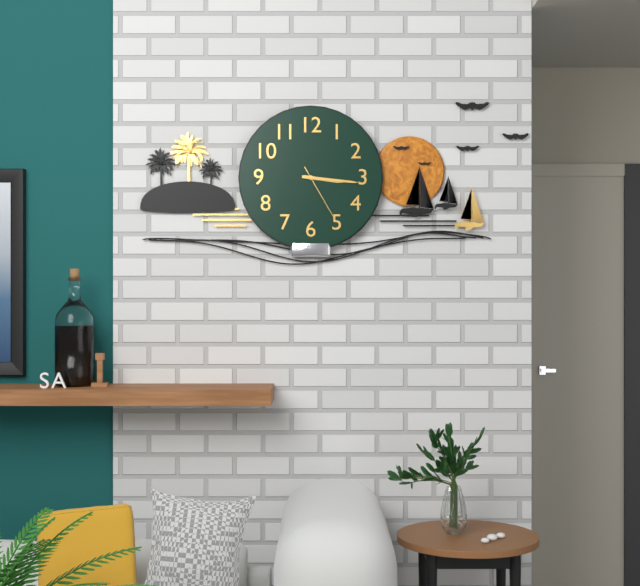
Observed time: 3:16:25
